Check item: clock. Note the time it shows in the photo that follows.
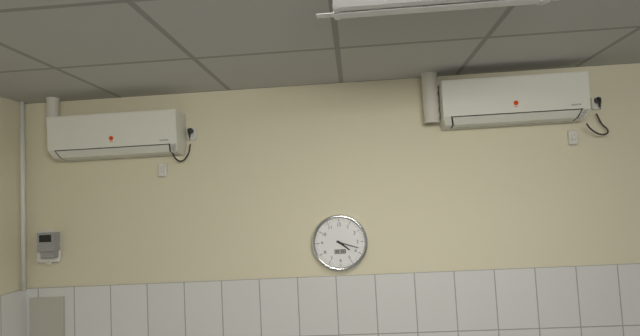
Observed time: 4:18
